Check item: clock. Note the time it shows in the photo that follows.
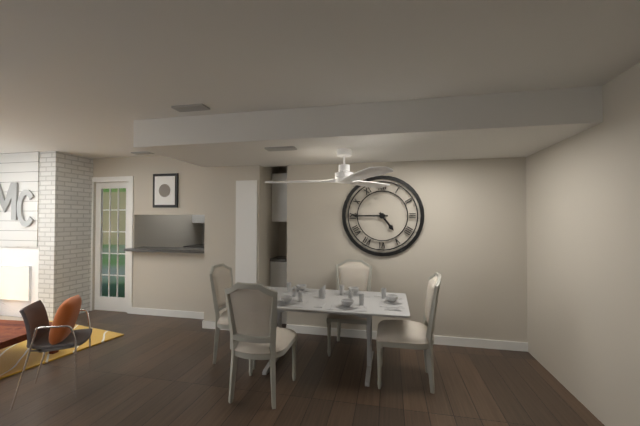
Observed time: 4:45
